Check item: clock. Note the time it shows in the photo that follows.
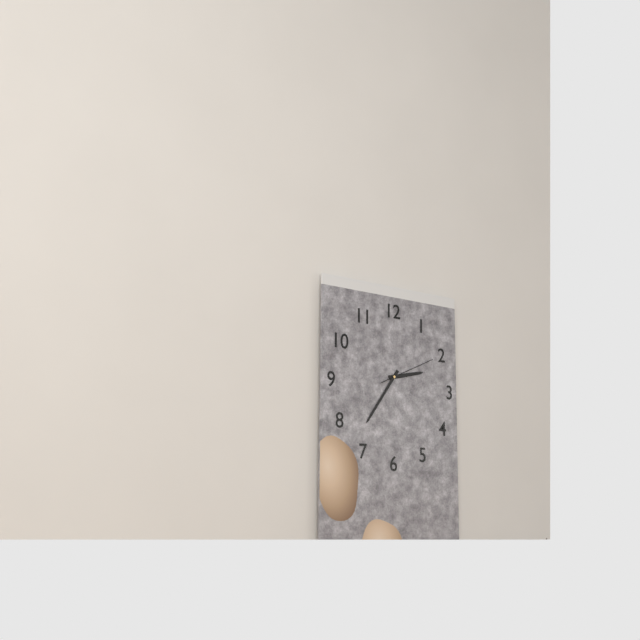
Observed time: 2:36:11
